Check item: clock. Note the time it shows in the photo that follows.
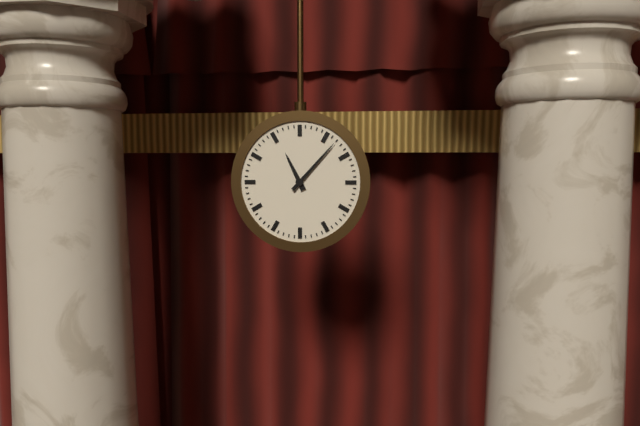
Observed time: 11:07
